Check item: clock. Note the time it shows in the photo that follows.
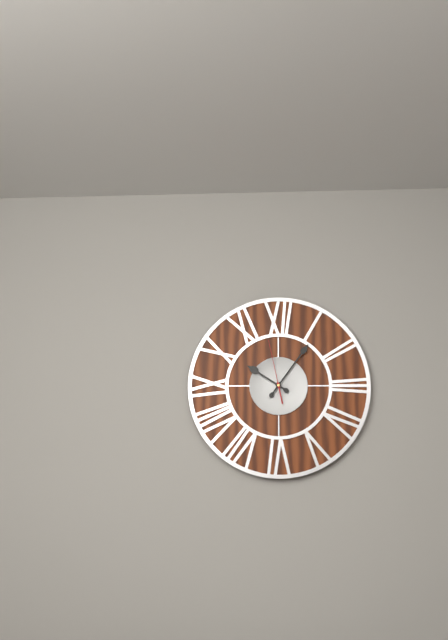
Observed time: 10:06:58
